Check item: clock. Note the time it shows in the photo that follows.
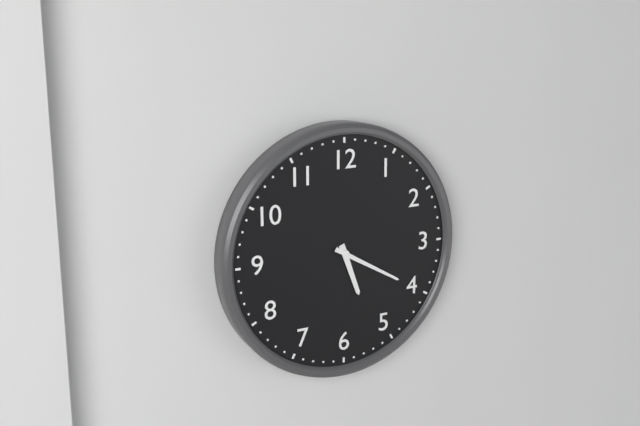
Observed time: 5:20
